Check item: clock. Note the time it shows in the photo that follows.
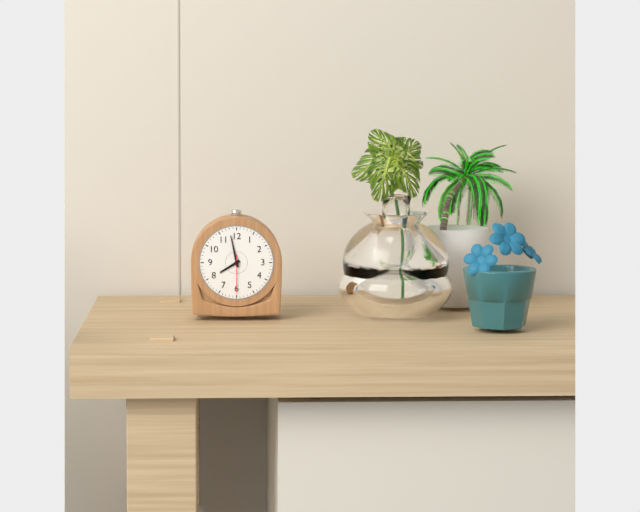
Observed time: 7:58
